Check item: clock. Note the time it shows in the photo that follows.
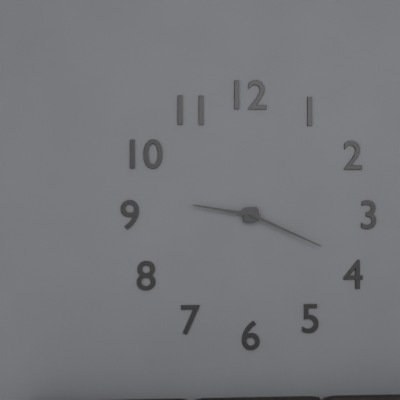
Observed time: 9:19
